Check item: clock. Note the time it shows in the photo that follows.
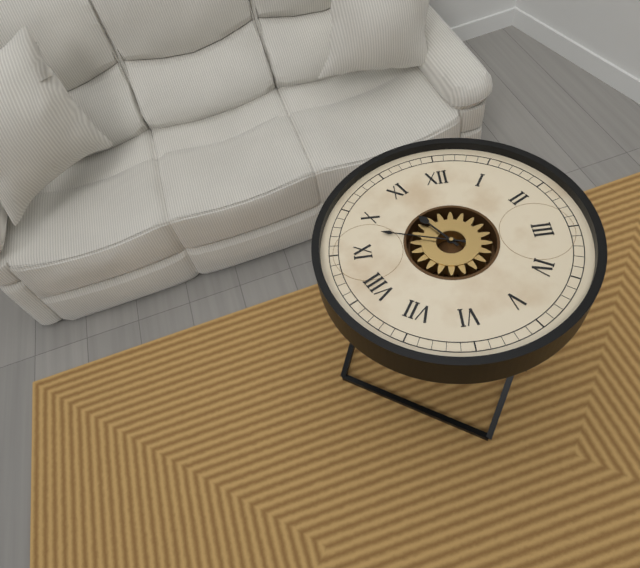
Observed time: 10:48
